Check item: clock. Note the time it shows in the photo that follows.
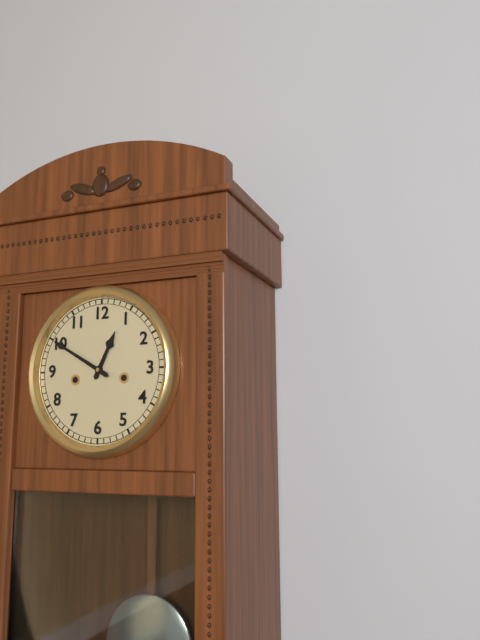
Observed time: 12:50
